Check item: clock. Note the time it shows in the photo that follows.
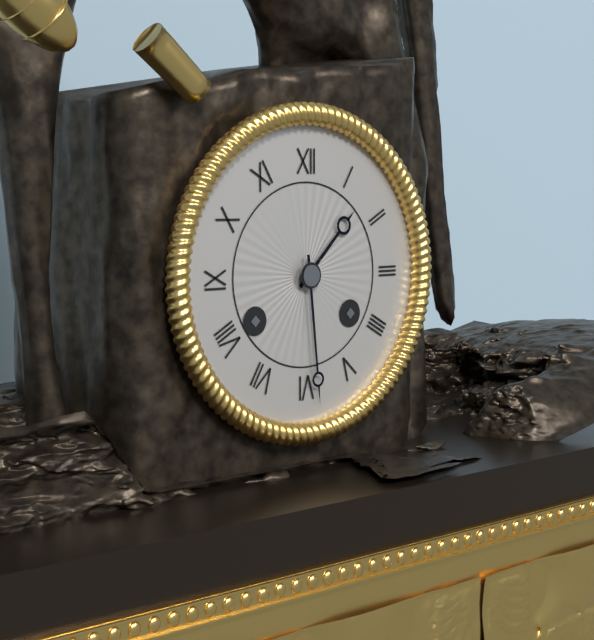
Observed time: 1:29
